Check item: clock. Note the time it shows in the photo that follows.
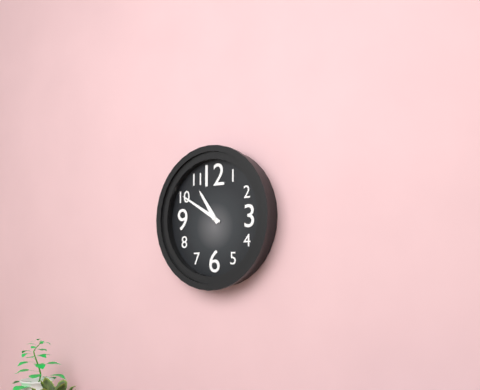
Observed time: 10:50
